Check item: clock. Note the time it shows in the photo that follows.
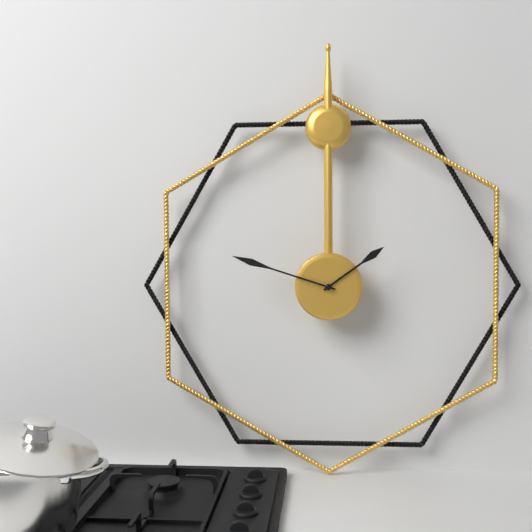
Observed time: 1:48
